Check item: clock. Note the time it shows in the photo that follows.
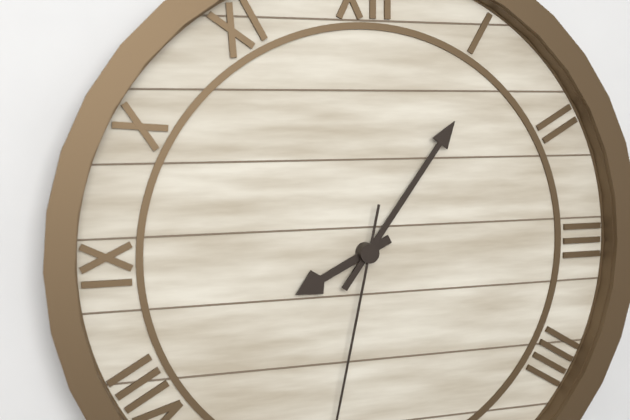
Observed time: 8:06
